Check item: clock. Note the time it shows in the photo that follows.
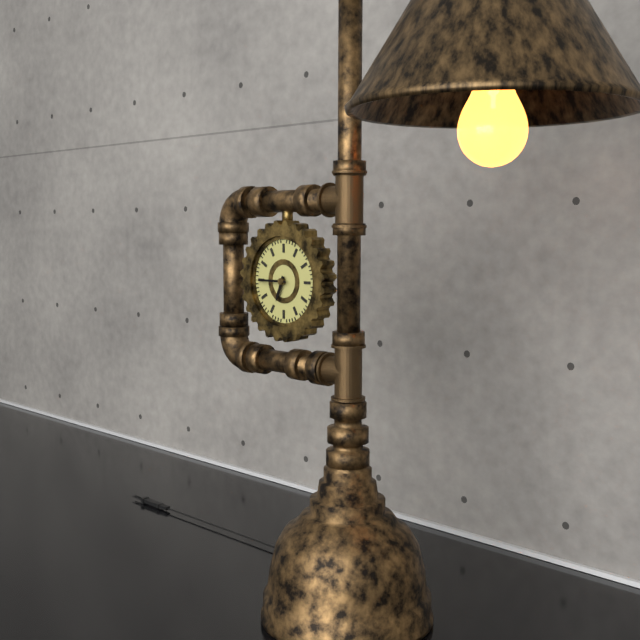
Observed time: 6:45
